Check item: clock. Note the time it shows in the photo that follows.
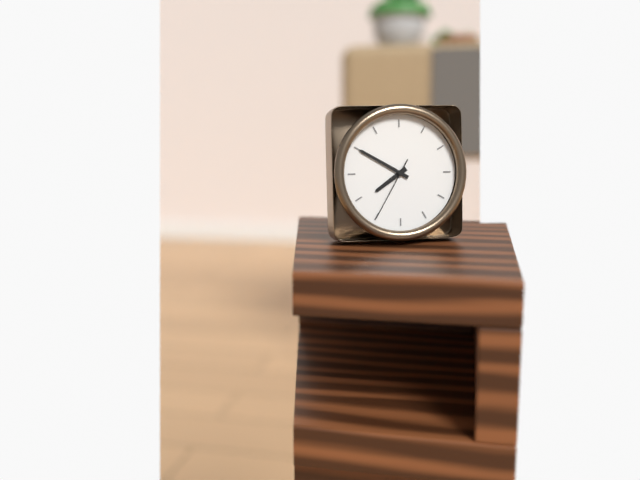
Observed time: 7:50:35
